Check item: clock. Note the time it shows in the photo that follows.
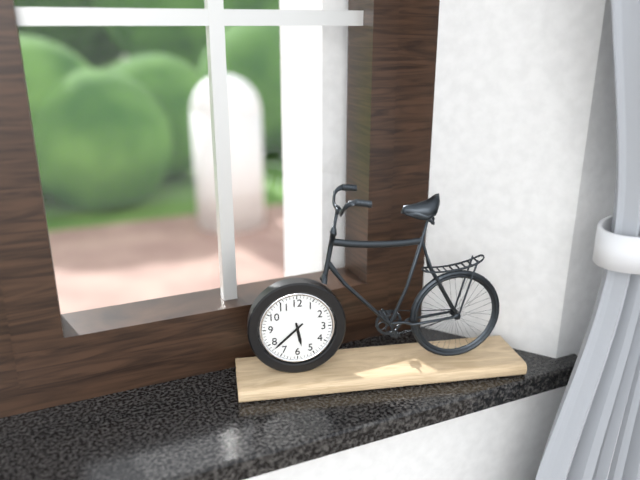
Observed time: 5:38
